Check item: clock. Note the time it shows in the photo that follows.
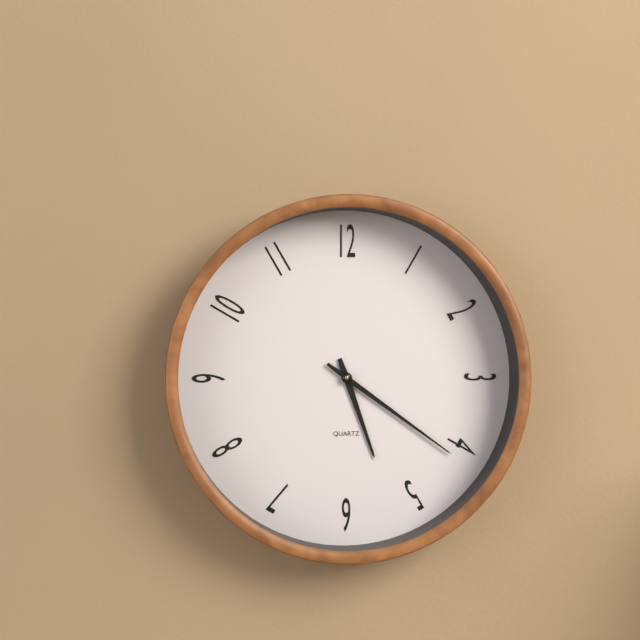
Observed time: 5:21
